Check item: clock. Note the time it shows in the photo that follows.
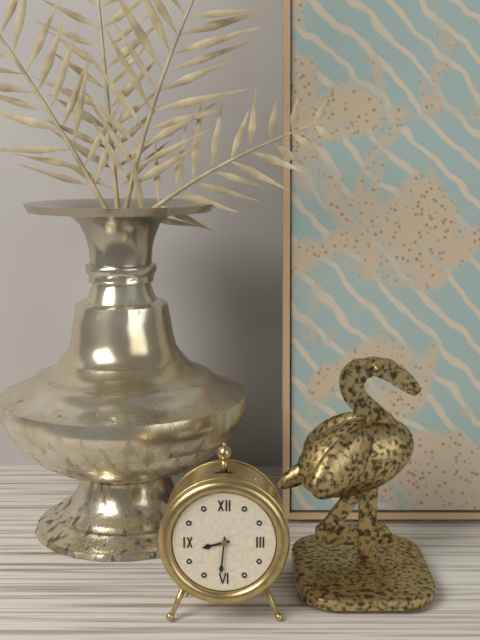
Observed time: 8:31
